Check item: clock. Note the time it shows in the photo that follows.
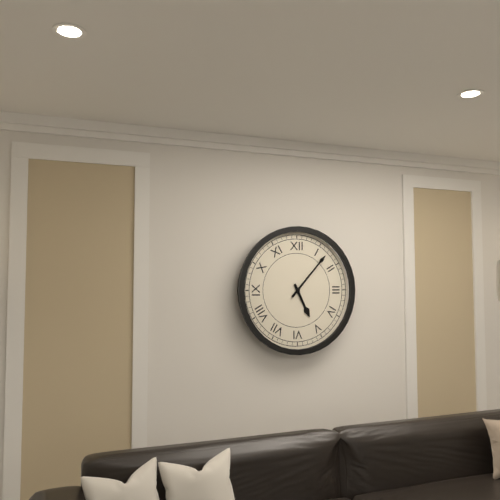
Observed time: 5:07
